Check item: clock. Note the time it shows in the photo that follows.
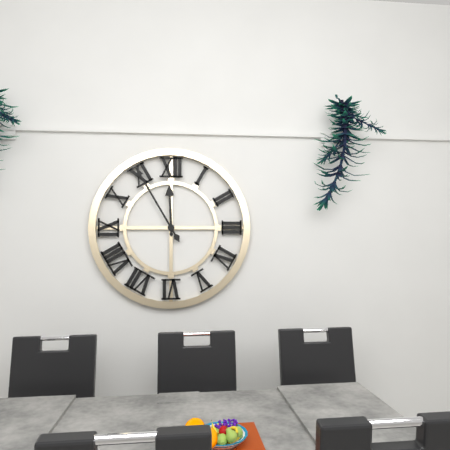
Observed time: 11:55
